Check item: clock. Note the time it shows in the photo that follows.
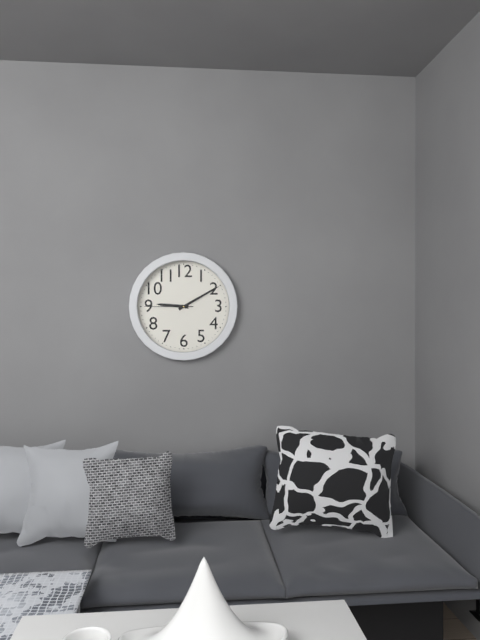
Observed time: 9:10
